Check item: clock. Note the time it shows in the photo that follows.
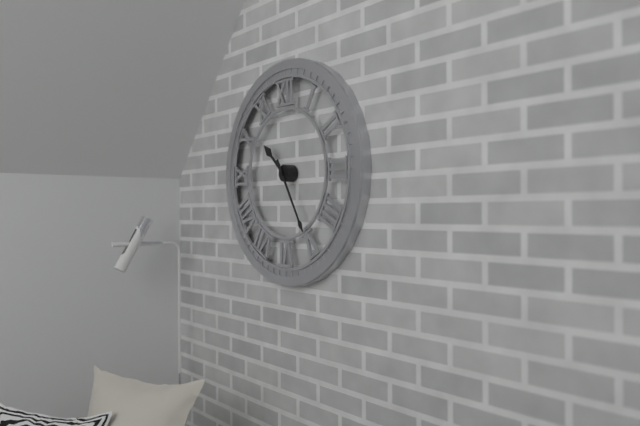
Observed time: 10:25
